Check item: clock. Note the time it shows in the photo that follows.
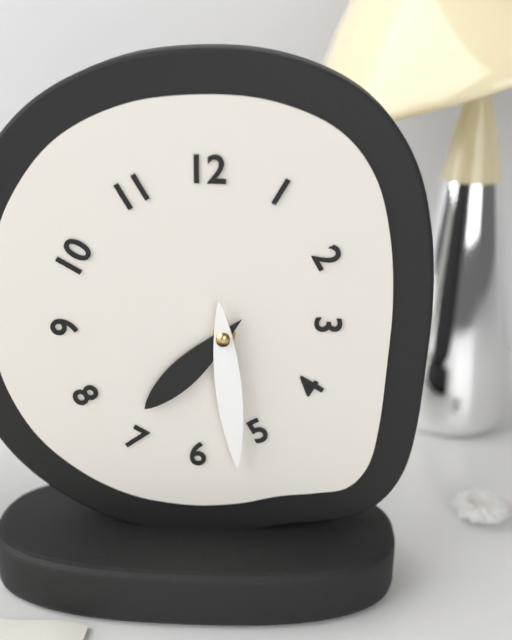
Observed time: 7:29
